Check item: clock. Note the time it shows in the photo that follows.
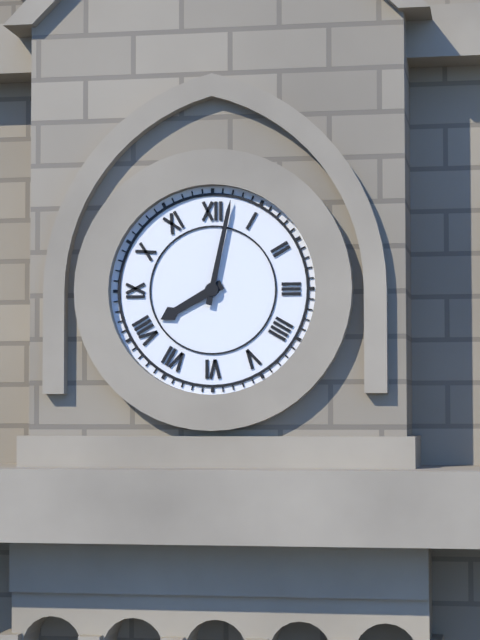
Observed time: 8:02
